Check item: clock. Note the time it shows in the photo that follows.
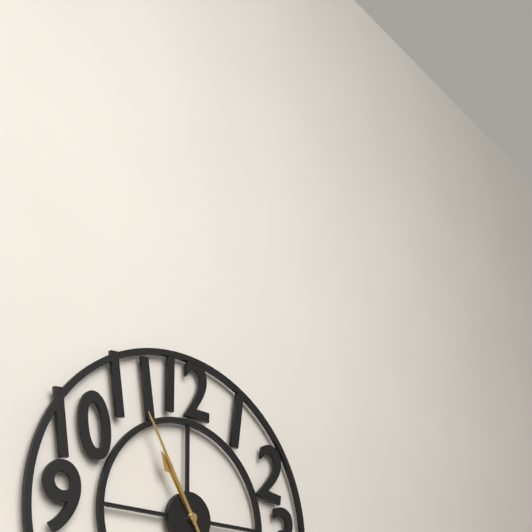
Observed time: 10:55
